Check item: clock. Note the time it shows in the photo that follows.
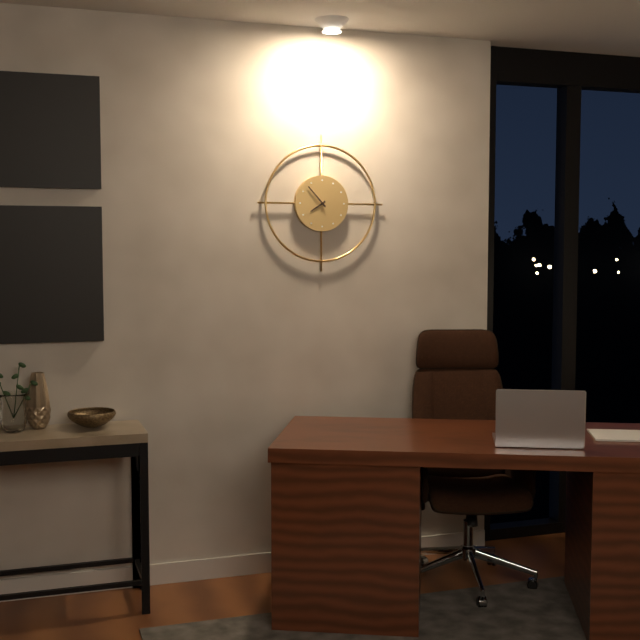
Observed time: 7:53
